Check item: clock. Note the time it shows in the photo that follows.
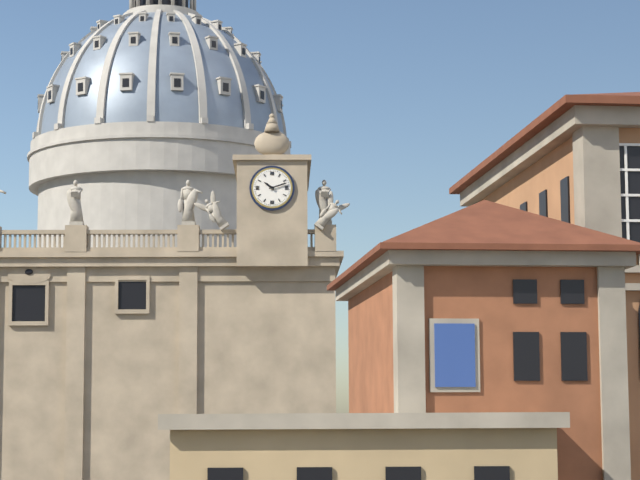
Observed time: 10:12
